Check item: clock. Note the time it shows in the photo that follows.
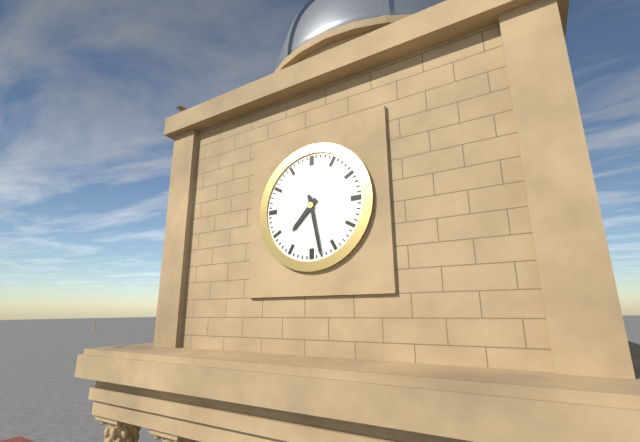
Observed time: 7:28
